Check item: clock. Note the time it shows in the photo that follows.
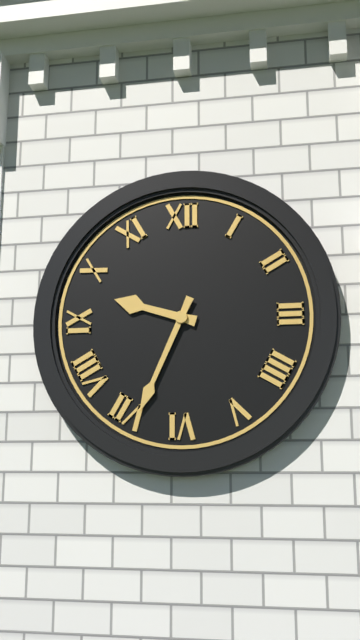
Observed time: 9:34
